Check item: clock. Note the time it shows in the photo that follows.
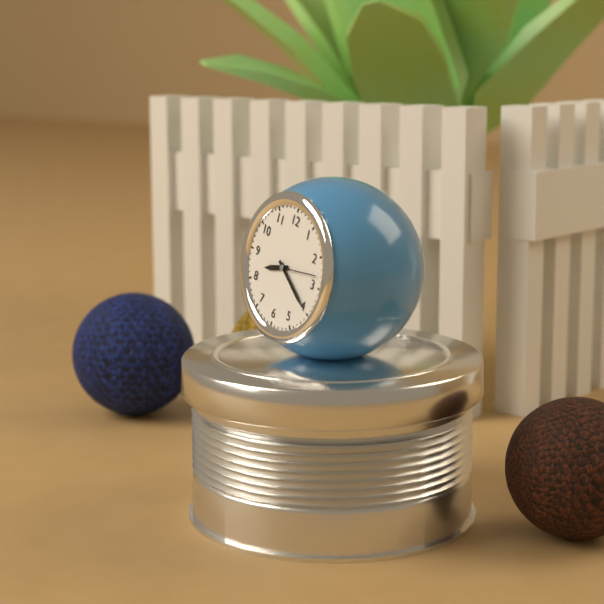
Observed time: 8:20
